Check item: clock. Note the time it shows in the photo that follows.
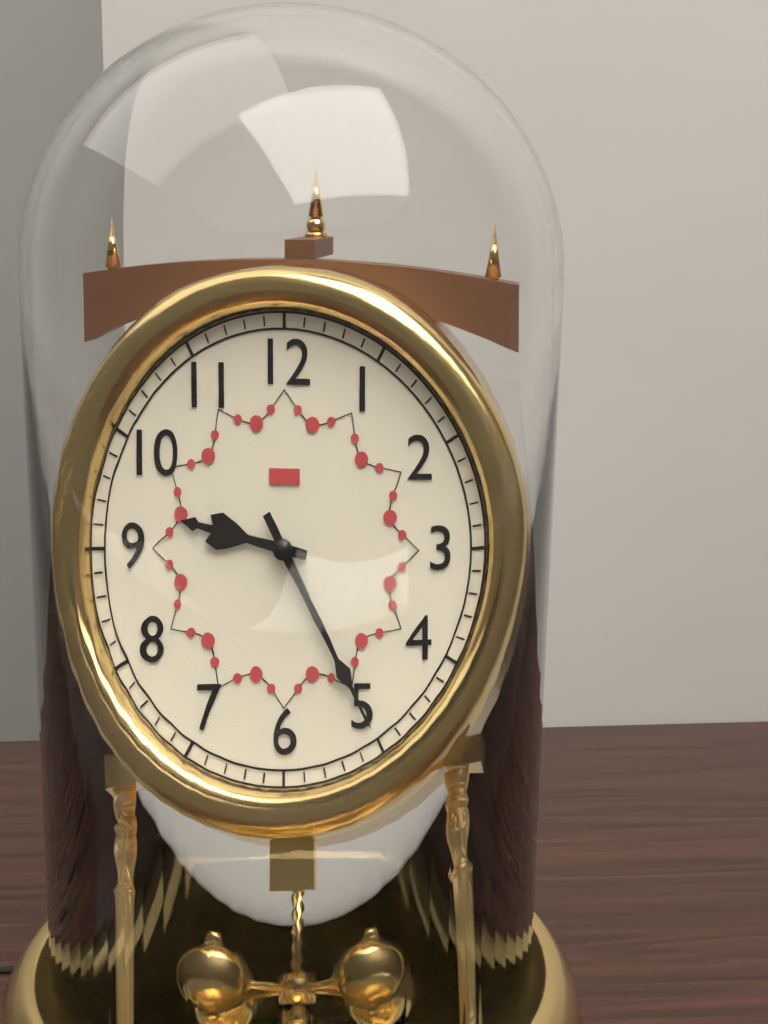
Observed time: 9:25
